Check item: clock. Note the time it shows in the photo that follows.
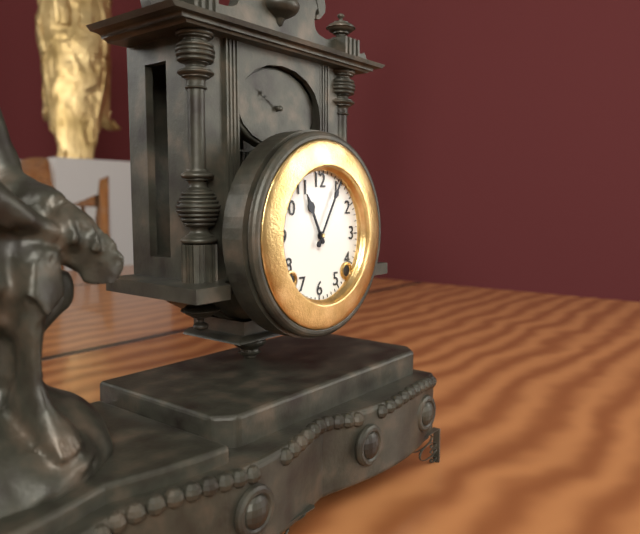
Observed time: 11:05
